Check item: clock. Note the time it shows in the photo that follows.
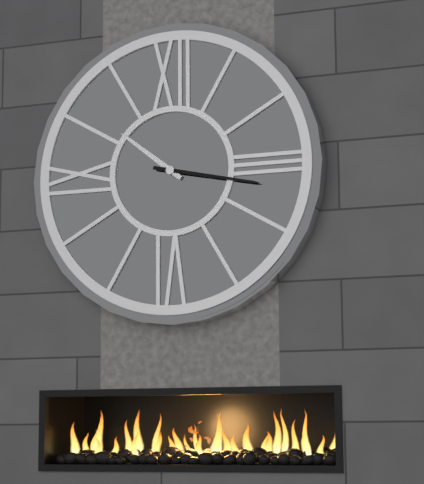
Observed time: 10:17
